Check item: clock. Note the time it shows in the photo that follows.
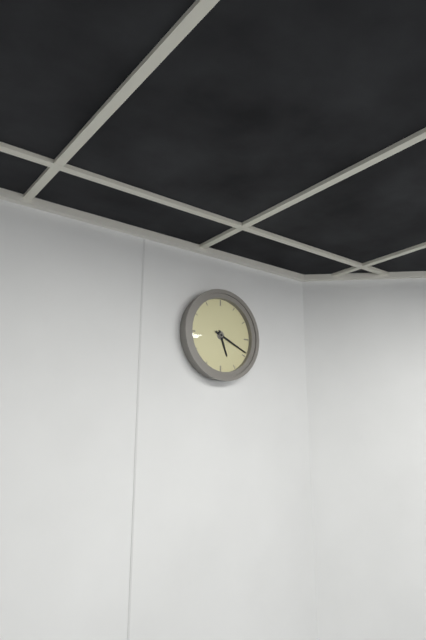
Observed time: 5:19
